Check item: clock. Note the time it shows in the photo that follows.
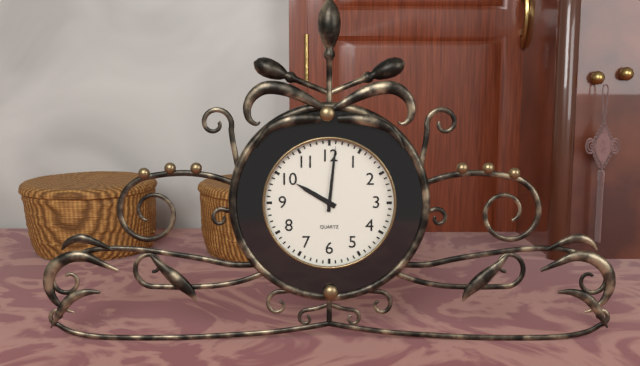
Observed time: 10:01
